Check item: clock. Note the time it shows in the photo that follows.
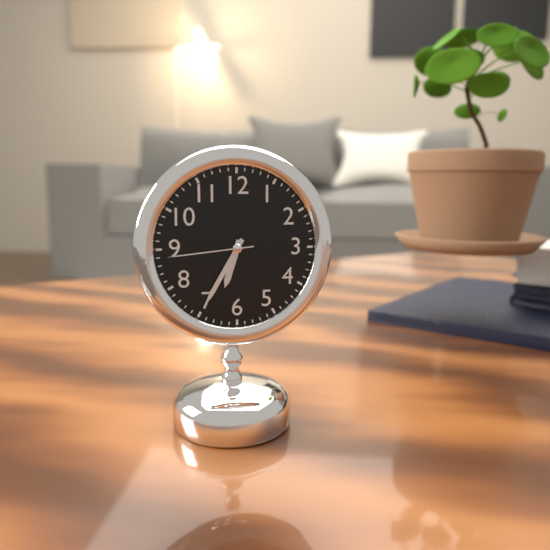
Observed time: 6:35:44
